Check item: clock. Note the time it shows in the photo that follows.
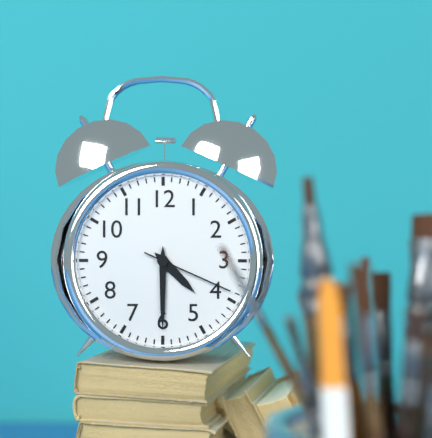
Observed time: 4:30:19
